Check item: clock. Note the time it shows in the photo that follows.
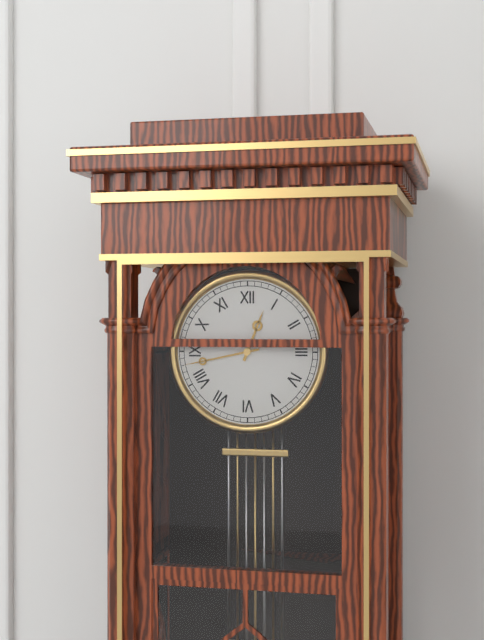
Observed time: 12:43
